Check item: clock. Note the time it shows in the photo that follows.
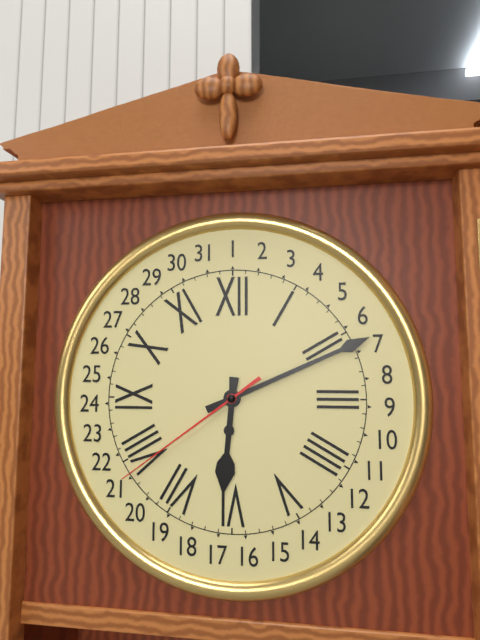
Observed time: 6:11:39
